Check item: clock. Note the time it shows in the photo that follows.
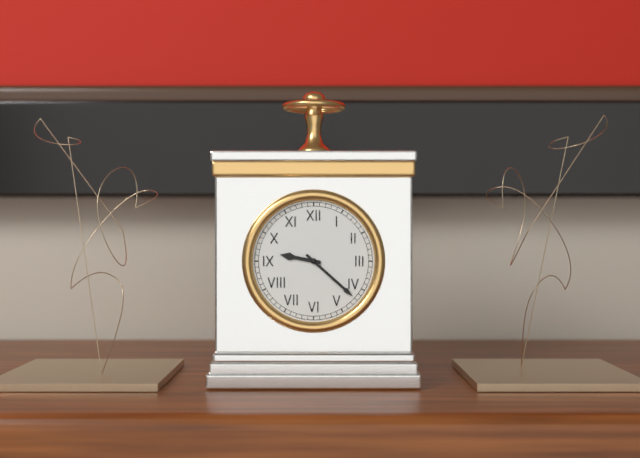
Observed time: 9:22
